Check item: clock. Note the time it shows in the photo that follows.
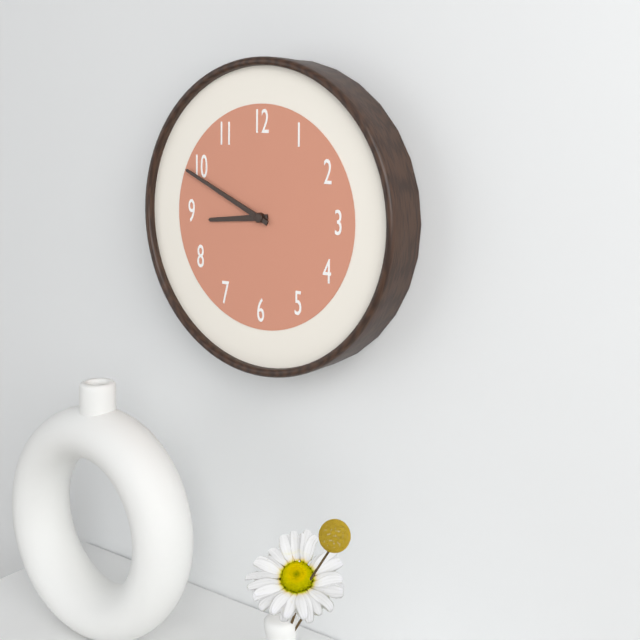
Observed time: 8:49
